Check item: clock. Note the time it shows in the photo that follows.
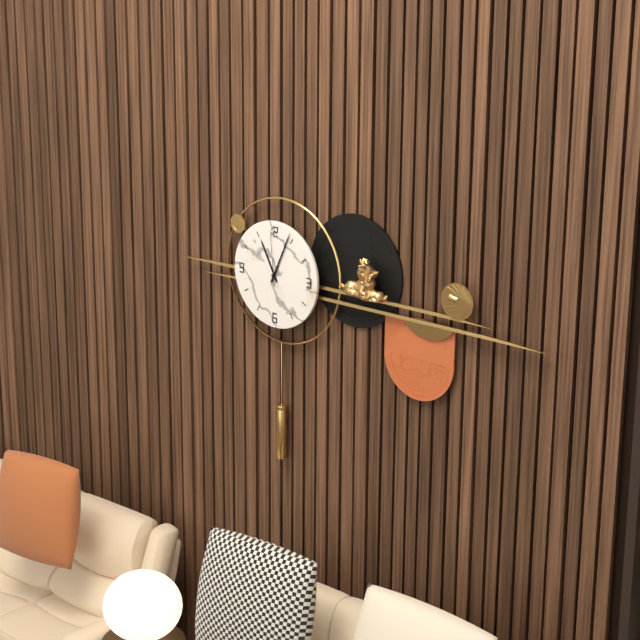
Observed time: 11:04:59
